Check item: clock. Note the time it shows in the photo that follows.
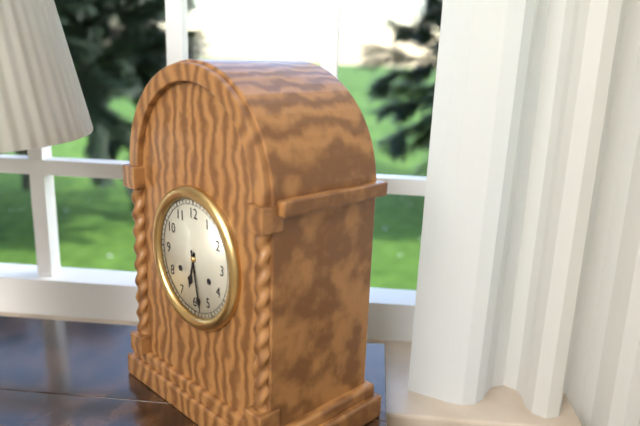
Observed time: 6:28
